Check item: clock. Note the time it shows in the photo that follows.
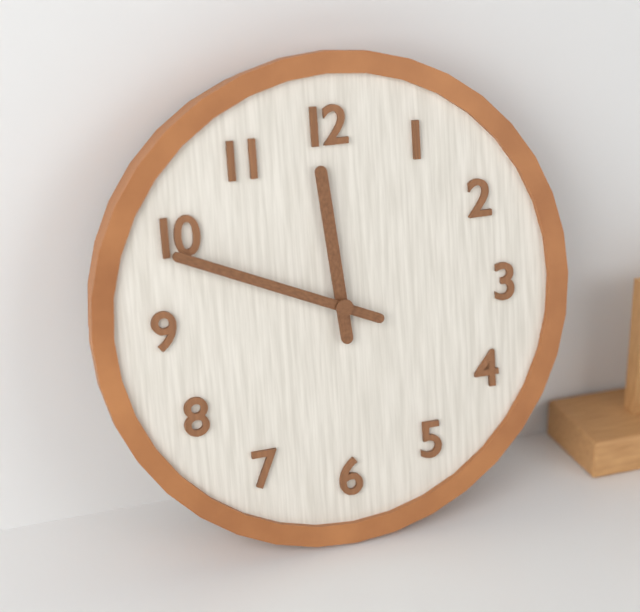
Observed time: 11:49
